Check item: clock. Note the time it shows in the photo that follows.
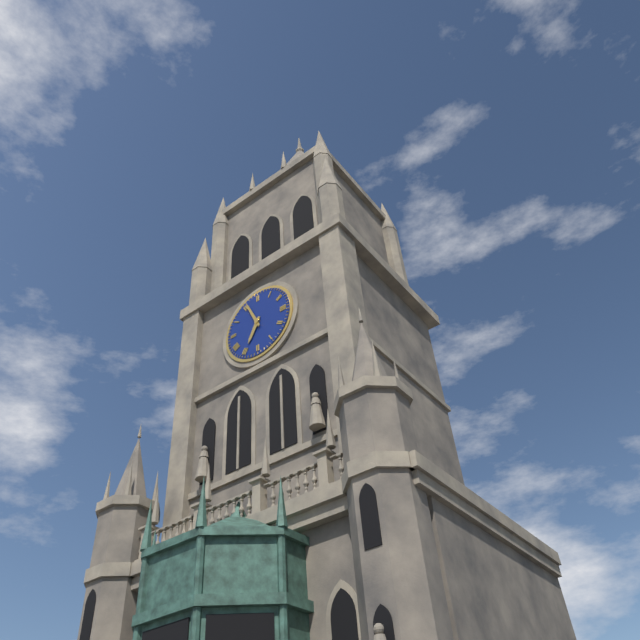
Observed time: 6:56
